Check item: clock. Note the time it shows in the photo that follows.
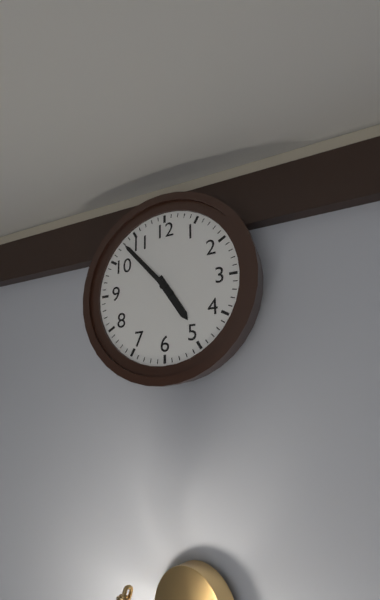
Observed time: 4:53
